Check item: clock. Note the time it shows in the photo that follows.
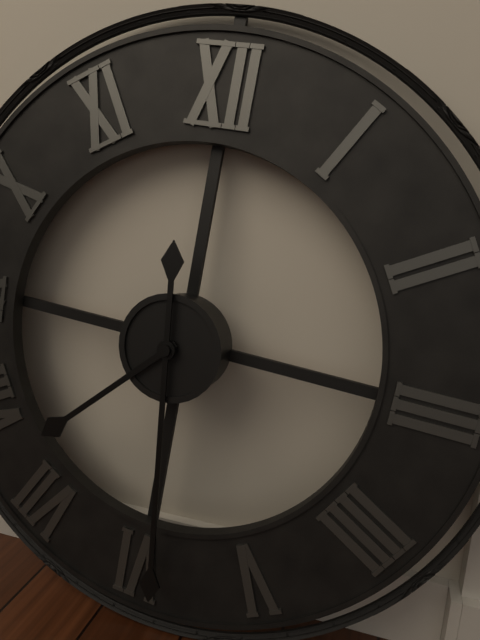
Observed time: 7:29
